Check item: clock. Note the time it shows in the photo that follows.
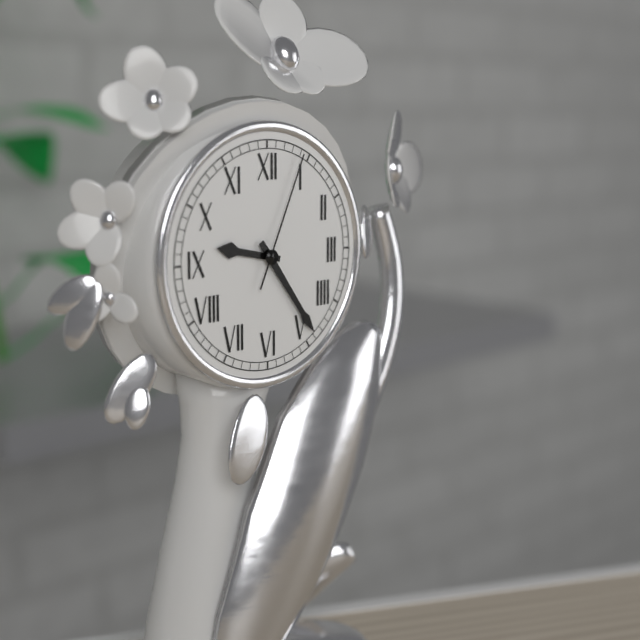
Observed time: 9:24:04
